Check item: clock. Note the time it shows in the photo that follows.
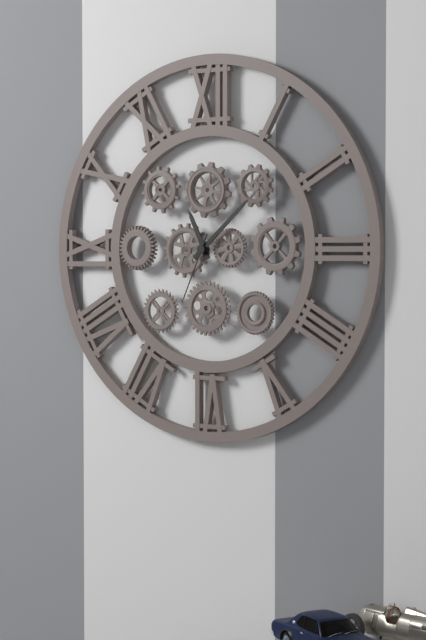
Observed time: 11:08:34
